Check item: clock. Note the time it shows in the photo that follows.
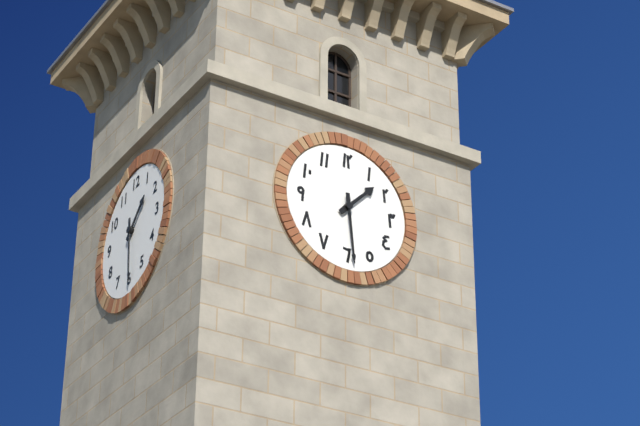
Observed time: 1:29
